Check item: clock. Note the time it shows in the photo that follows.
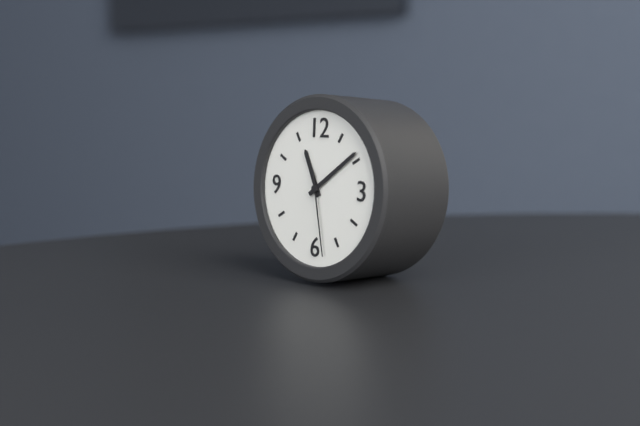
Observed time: 11:09:28
